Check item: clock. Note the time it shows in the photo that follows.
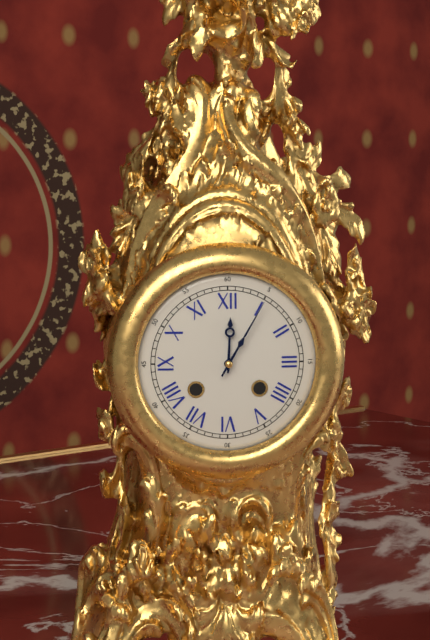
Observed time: 12:05
